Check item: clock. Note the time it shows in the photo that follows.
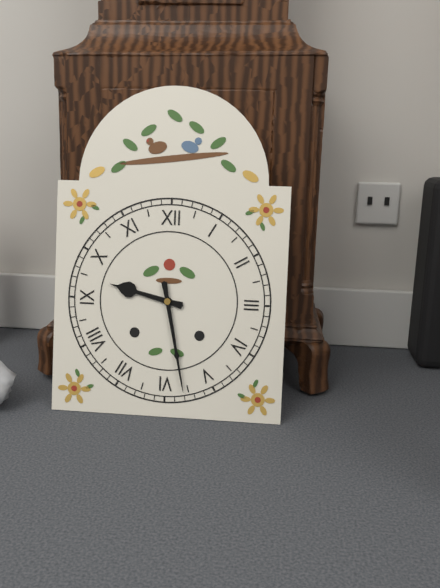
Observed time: 9:28
